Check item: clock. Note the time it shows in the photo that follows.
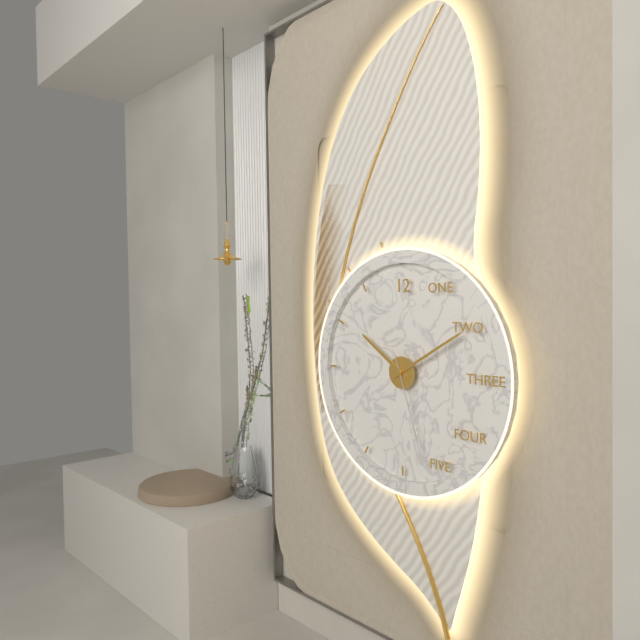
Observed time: 10:10:27
